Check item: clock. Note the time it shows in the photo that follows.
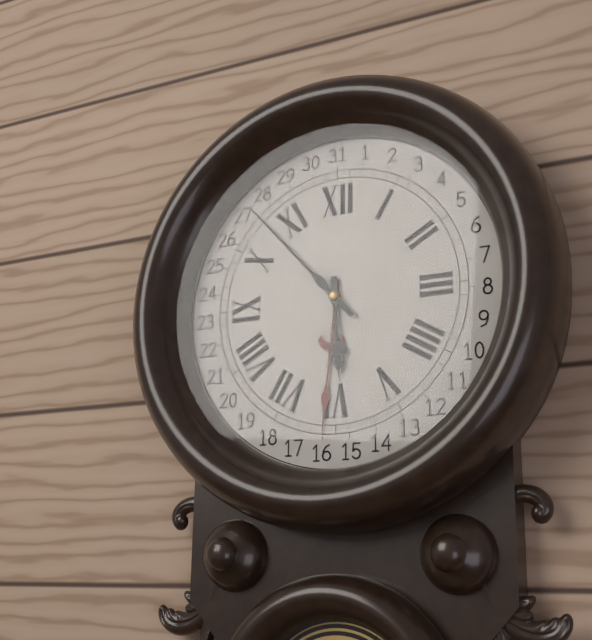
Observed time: 5:53
